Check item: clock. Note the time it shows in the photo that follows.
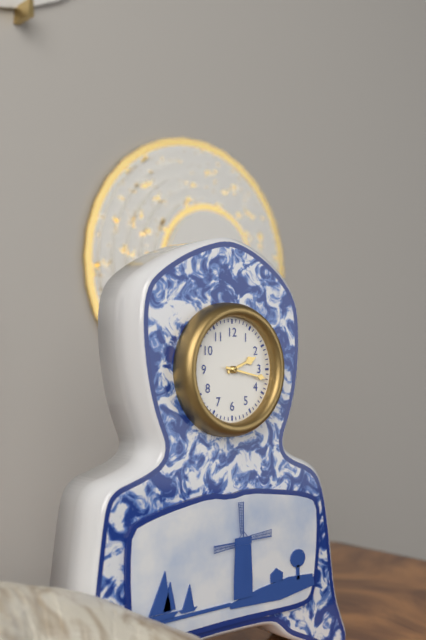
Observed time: 2:17
